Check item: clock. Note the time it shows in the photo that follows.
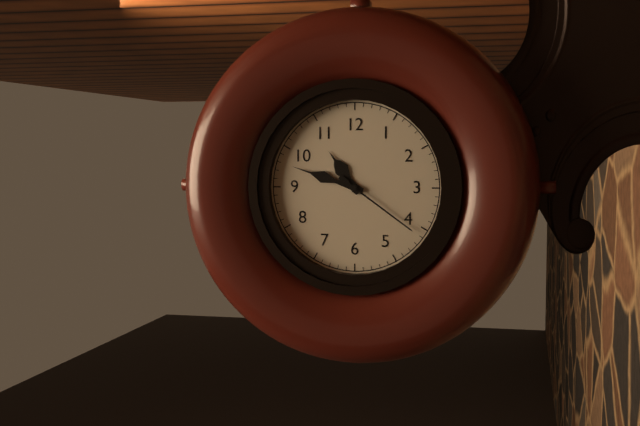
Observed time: 10:48:21
